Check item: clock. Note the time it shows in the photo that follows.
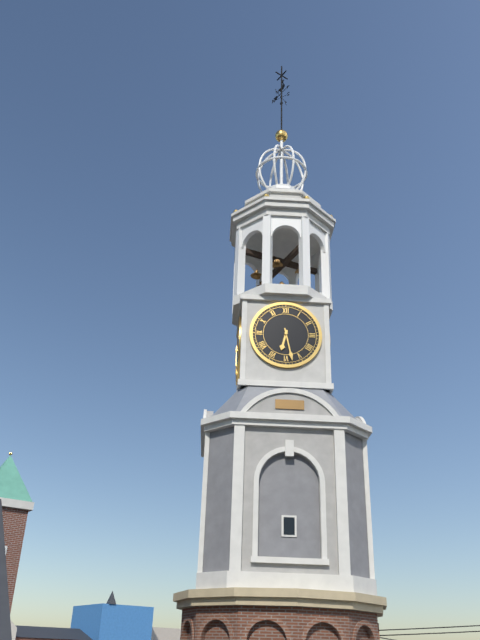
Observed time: 6:28
